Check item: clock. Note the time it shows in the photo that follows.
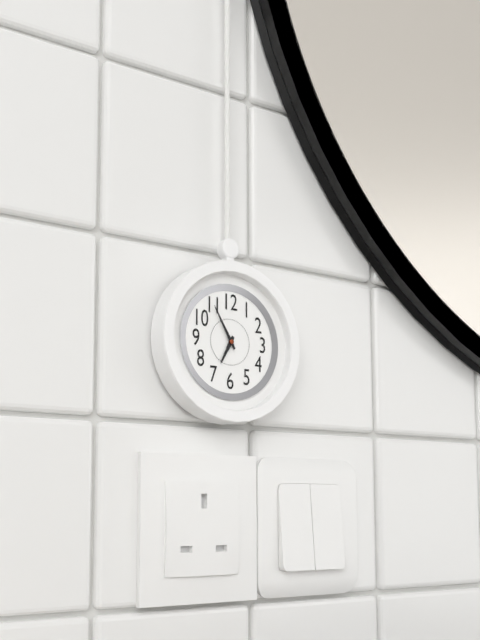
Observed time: 6:55
